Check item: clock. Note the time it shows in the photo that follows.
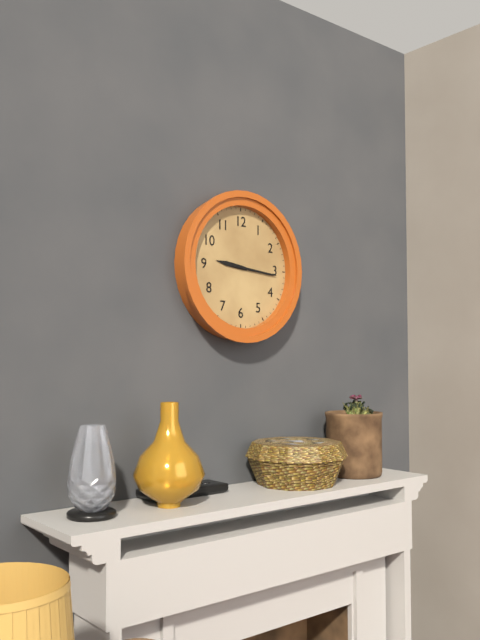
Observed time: 9:16
